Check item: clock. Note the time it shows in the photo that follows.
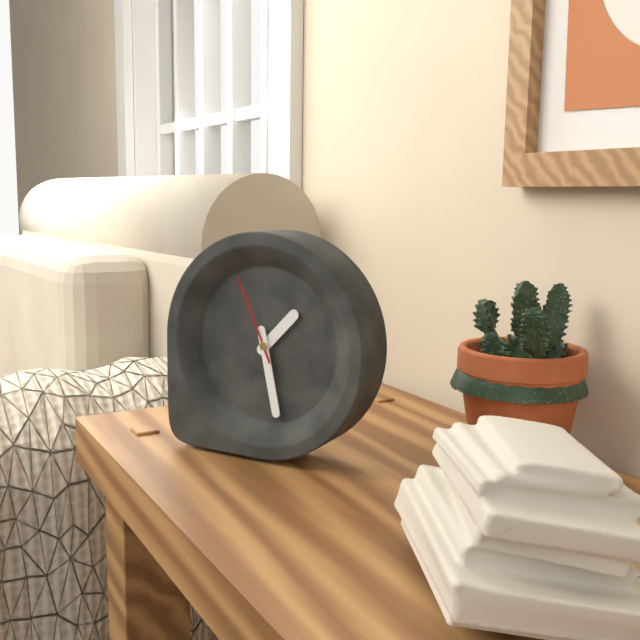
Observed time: 1:28:56
